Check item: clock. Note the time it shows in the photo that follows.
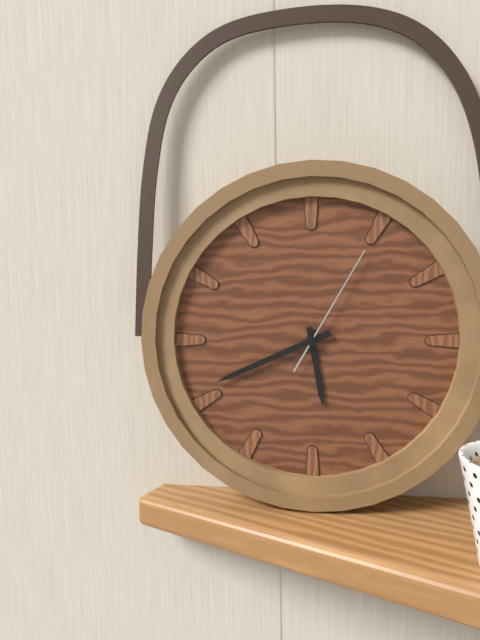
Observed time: 5:41:05
